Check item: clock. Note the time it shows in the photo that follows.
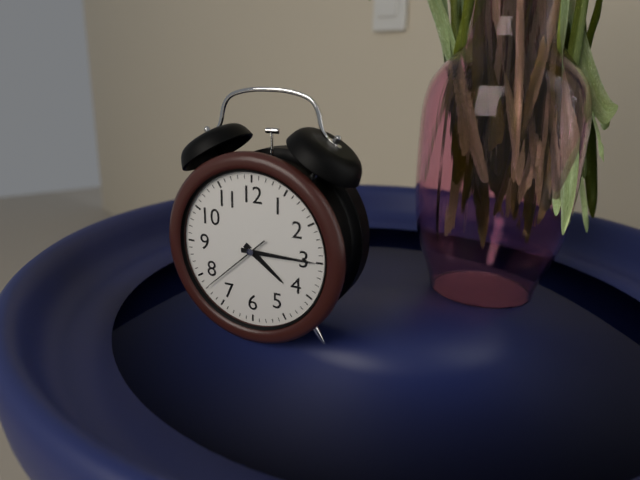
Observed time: 4:15:38
